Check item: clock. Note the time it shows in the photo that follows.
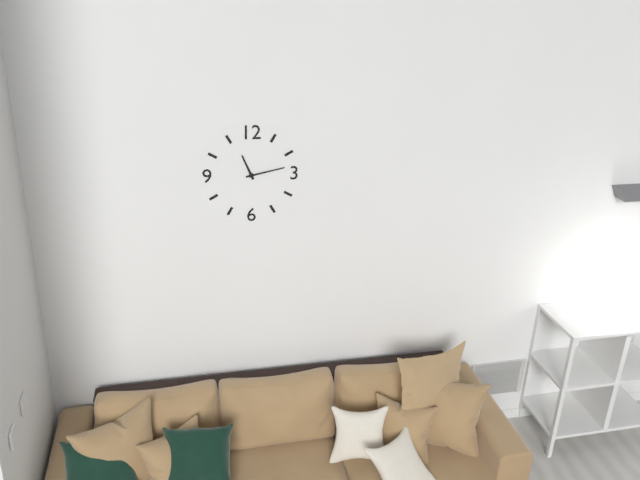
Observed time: 11:13
